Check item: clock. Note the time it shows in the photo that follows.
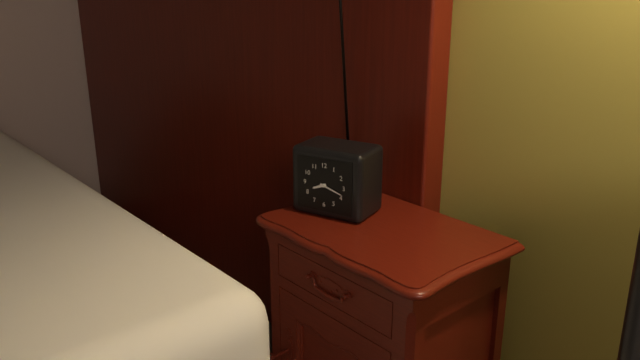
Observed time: 8:18
